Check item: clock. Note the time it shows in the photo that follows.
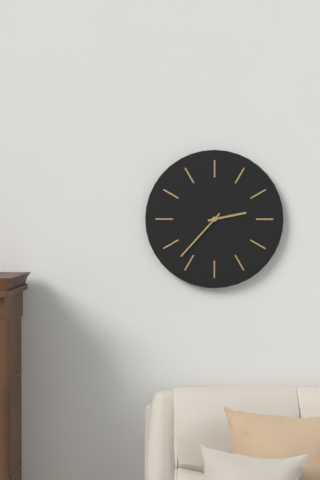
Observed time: 2:37
